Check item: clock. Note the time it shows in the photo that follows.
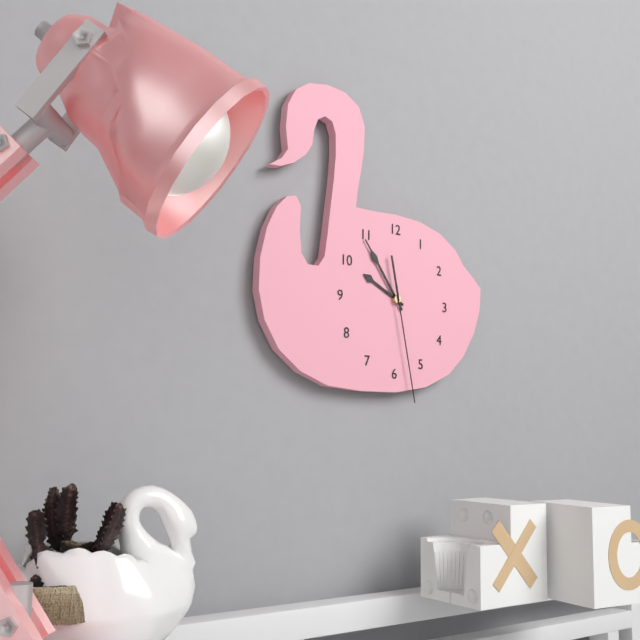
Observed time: 9:54:28
